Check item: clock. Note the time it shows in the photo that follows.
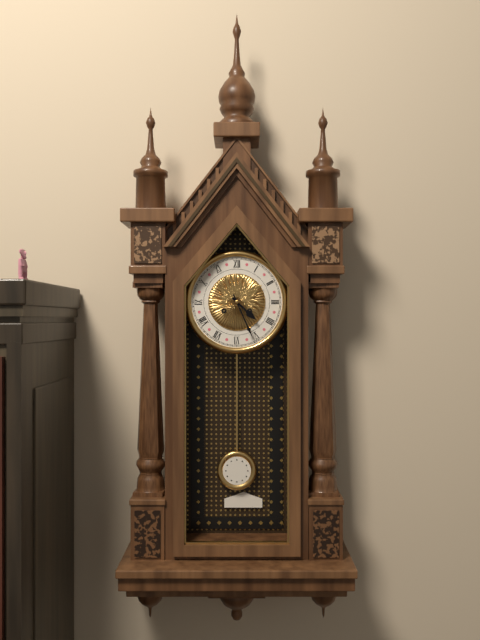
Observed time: 4:26
